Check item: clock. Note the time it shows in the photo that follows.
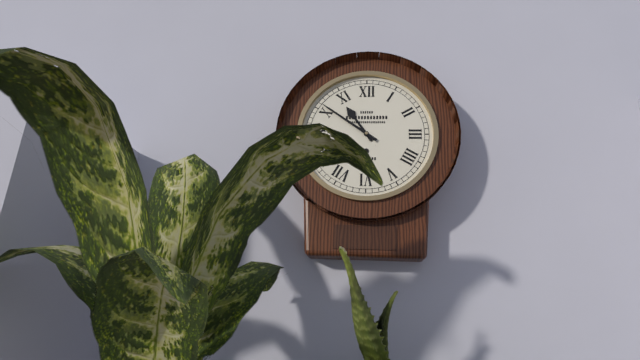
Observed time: 10:51
